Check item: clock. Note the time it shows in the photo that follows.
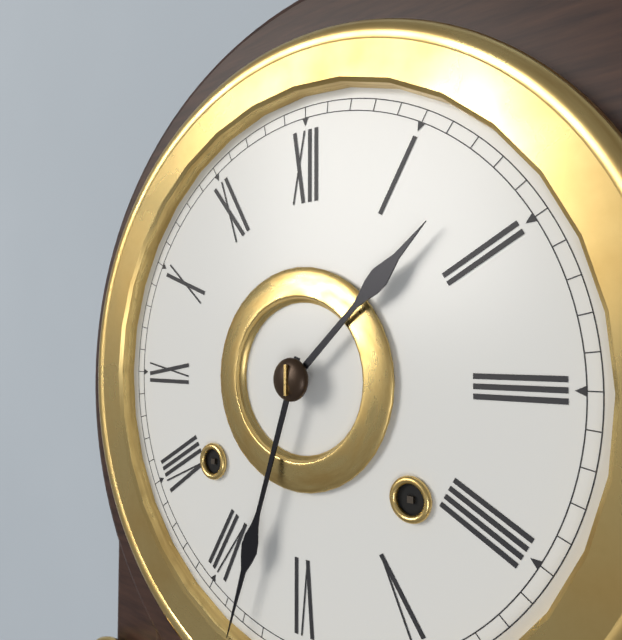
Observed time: 1:33
